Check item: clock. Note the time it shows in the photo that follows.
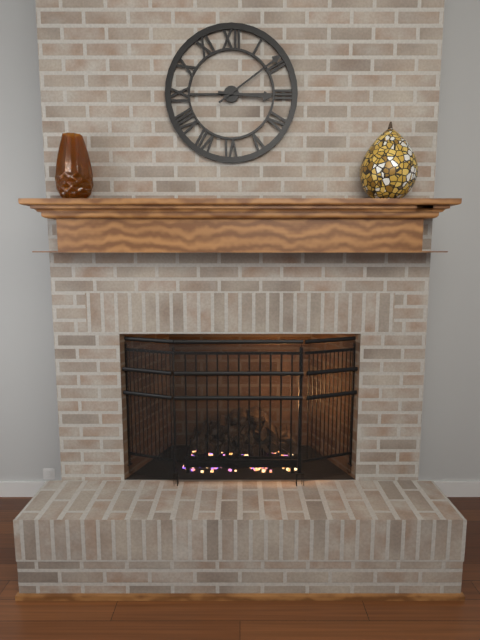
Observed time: 3:09
